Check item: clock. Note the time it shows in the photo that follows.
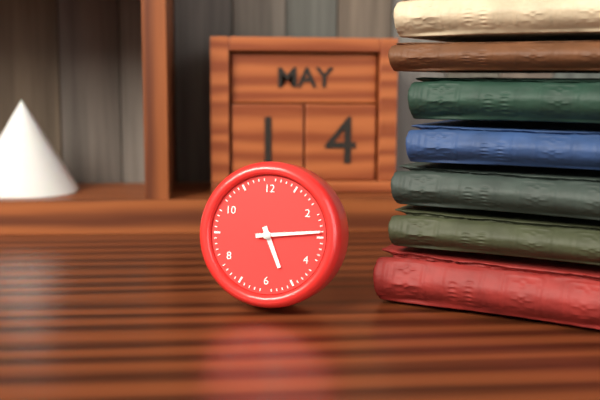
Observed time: 5:14
